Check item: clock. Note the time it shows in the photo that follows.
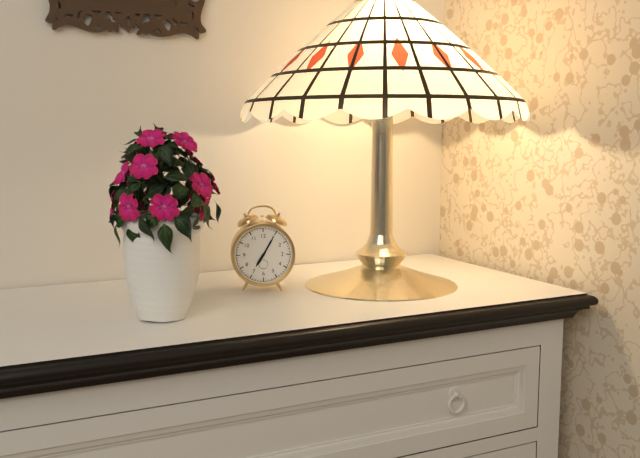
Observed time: 7:05
